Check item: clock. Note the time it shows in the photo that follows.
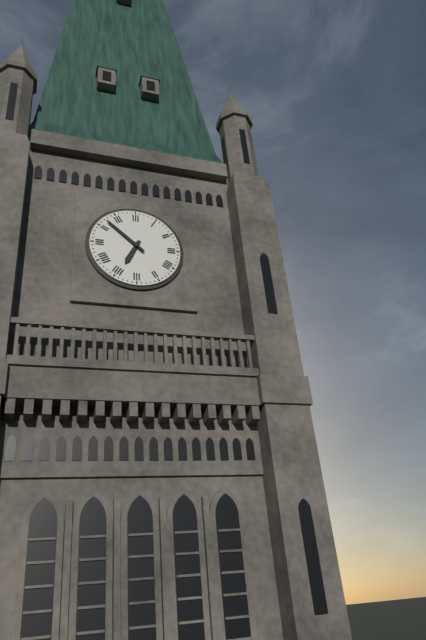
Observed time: 6:52
